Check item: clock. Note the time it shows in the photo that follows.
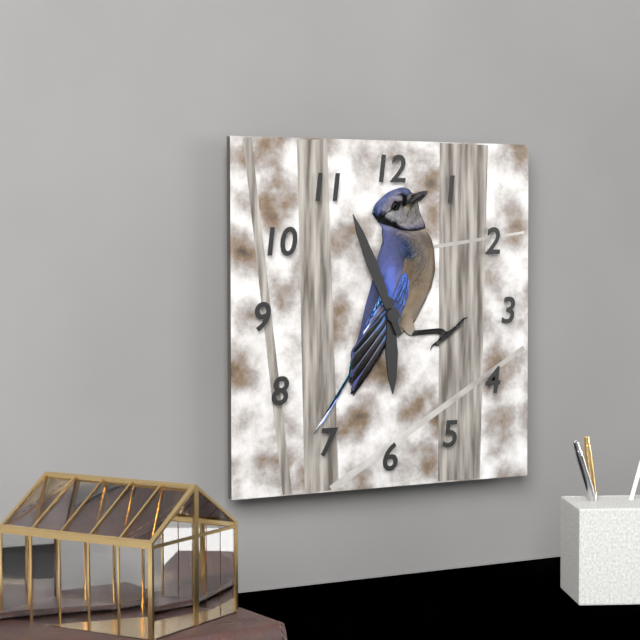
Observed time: 5:56
